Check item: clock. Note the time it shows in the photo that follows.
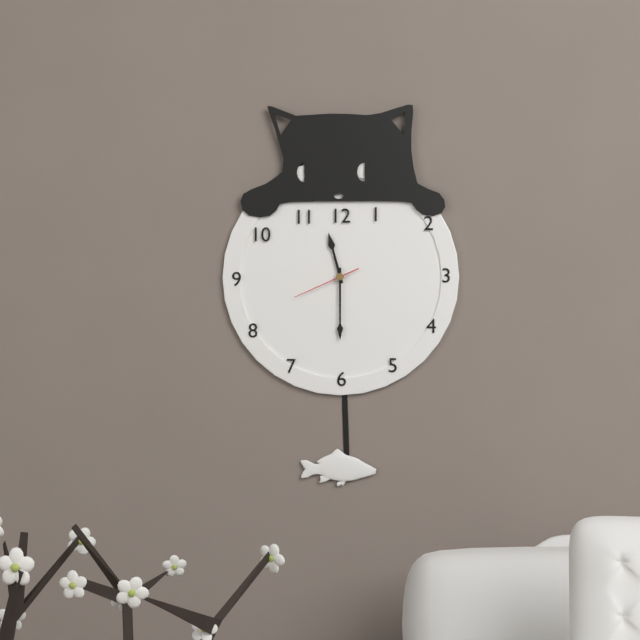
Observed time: 11:30:41
